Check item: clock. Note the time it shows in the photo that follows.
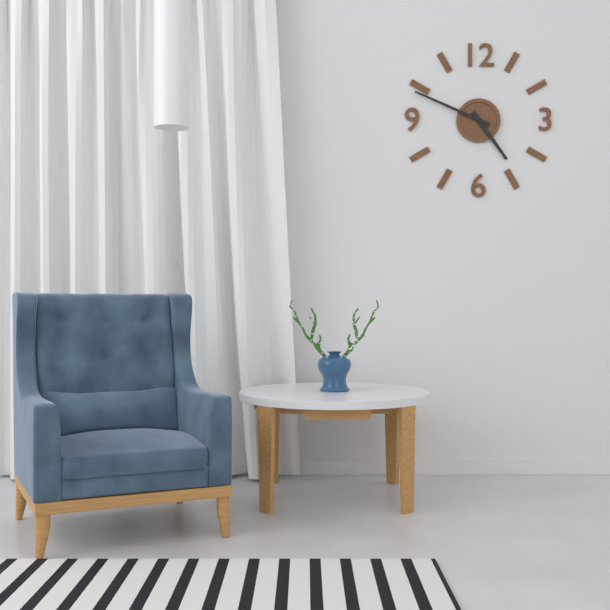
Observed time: 4:49
